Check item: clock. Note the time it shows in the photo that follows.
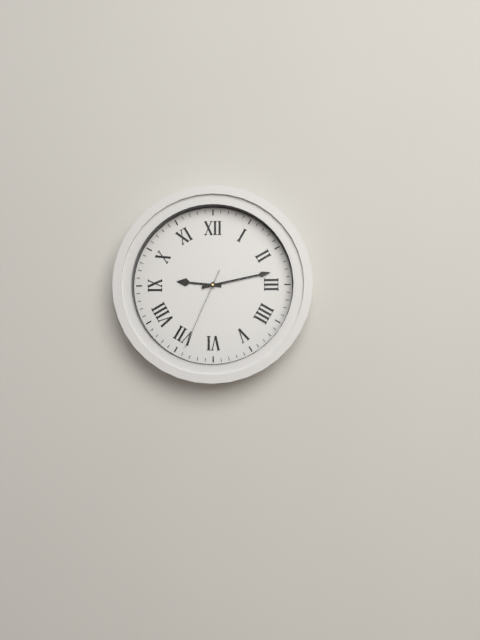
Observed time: 9:13:34
